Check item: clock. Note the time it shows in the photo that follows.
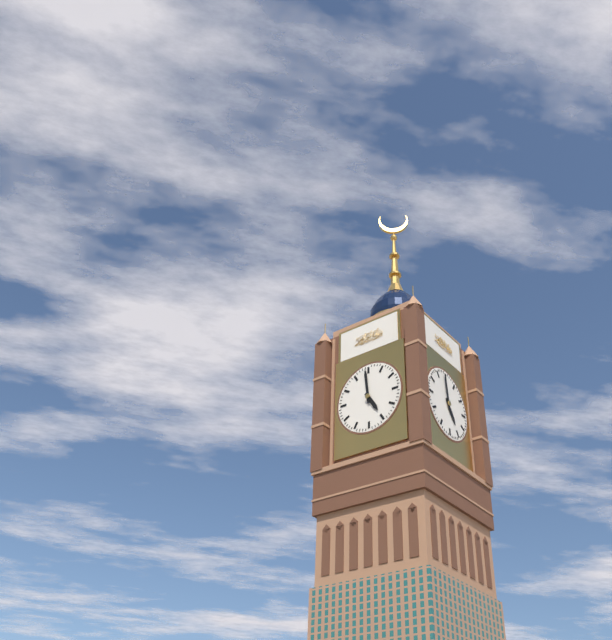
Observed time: 4:59
